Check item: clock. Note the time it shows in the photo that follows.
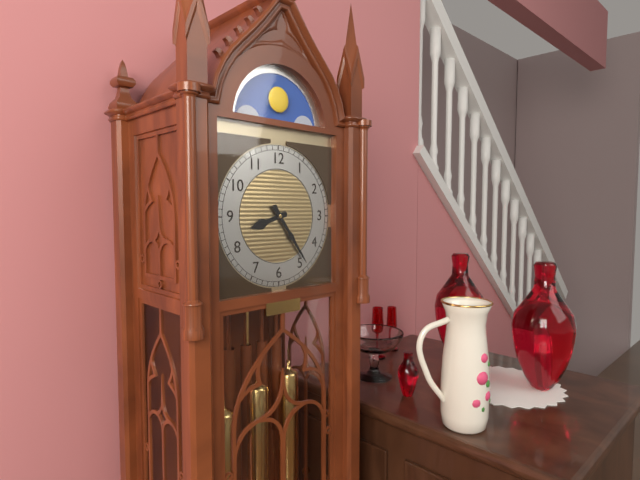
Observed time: 8:24
